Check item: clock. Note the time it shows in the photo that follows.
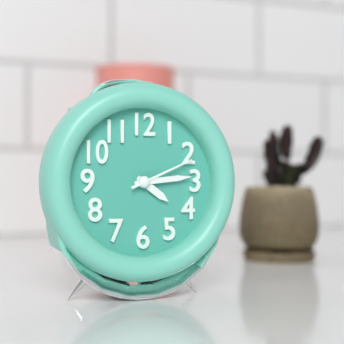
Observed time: 4:14:11
